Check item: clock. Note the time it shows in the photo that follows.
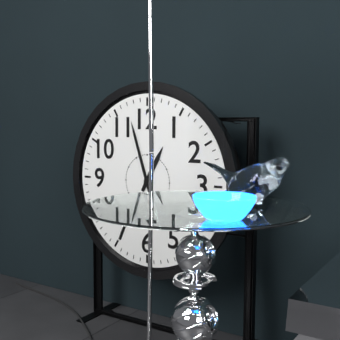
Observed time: 12:57
